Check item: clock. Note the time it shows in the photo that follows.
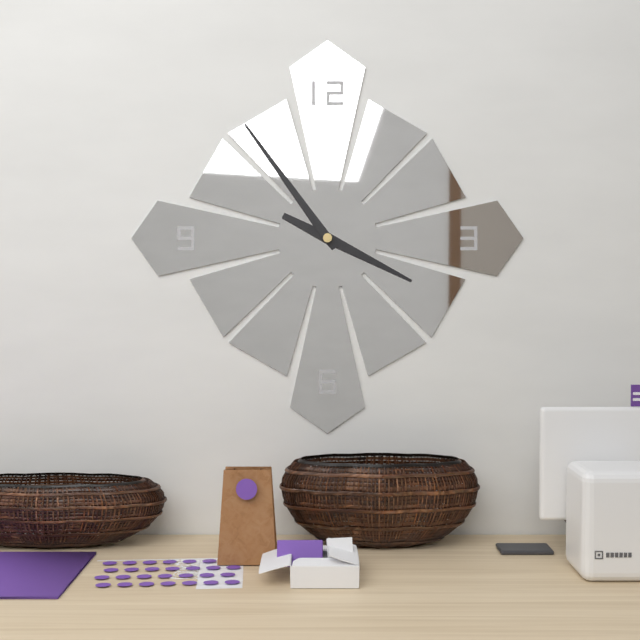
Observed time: 3:54
